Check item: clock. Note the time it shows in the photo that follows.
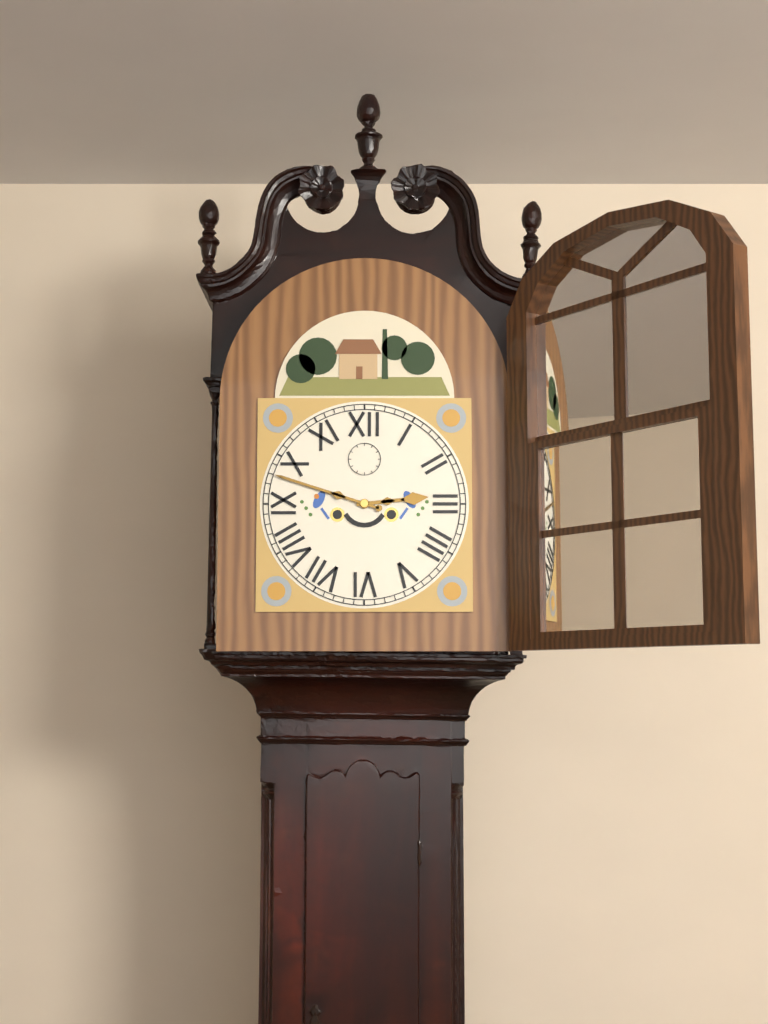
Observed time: 2:48
